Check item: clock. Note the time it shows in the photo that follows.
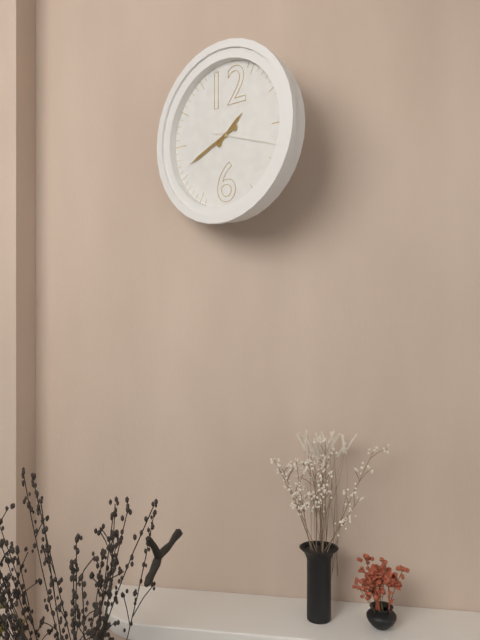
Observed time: 1:41:18
